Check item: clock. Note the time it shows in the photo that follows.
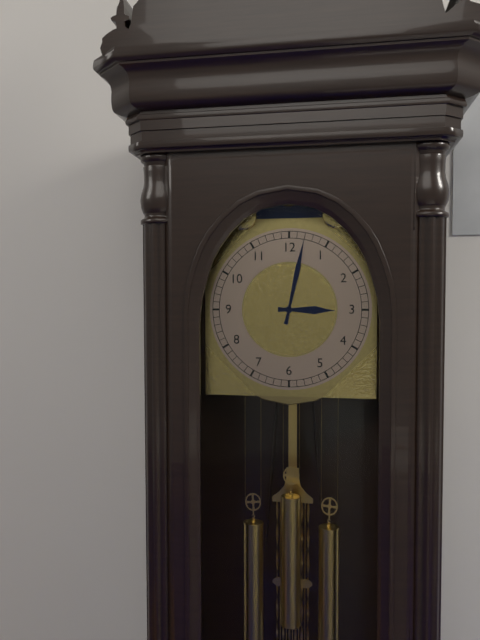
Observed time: 3:02
